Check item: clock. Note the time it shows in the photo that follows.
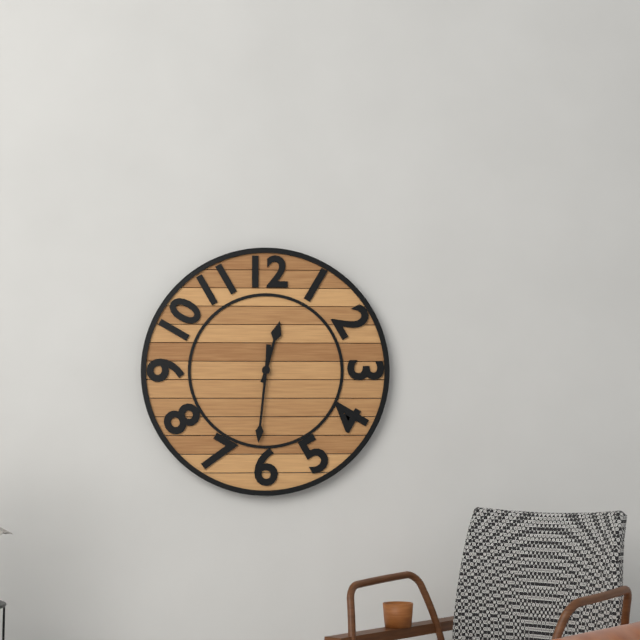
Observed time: 12:31
